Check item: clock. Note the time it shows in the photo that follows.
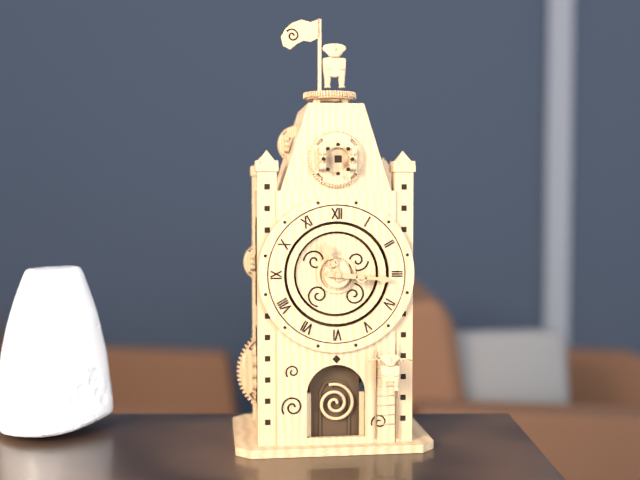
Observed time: 11:16
